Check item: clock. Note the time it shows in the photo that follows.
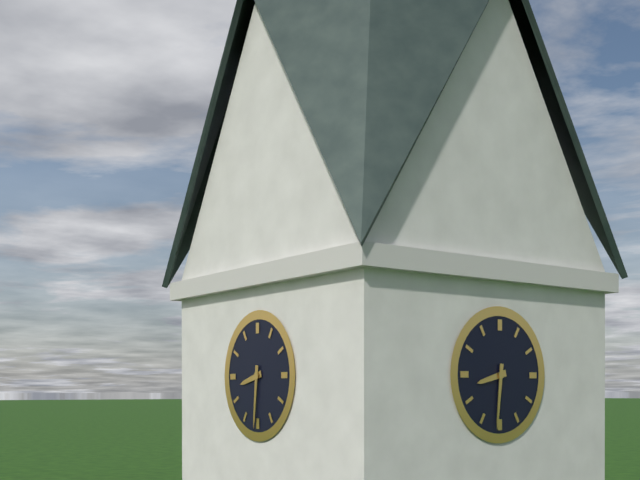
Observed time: 8:31
